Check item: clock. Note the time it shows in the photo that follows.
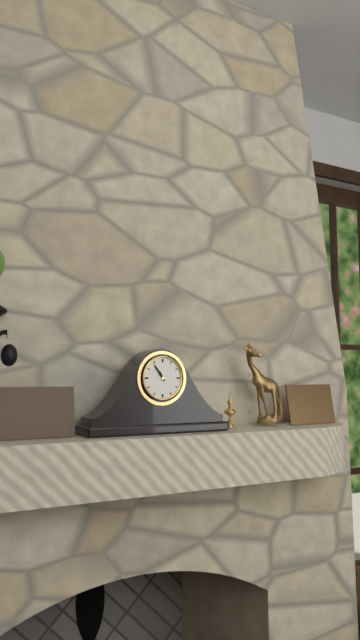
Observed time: 10:54
